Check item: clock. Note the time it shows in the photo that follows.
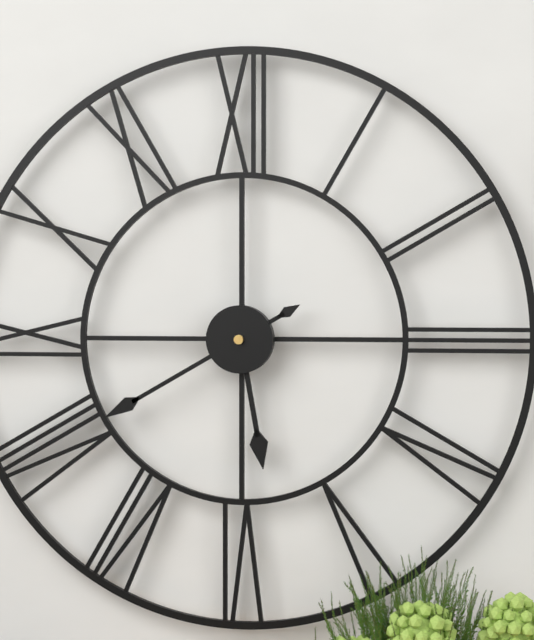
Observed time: 5:40
